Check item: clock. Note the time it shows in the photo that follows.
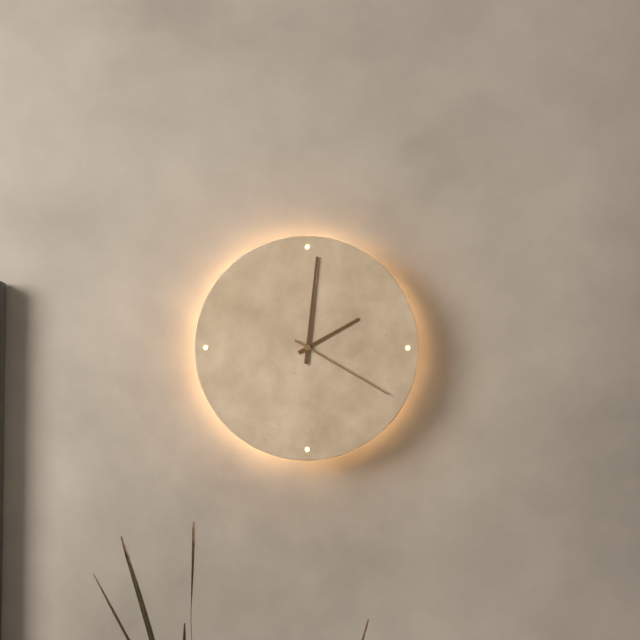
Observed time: 2:01:20
